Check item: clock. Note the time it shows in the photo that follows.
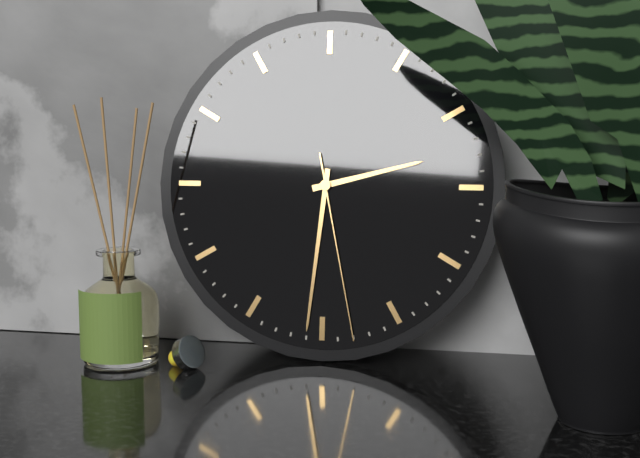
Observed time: 2:31:28
